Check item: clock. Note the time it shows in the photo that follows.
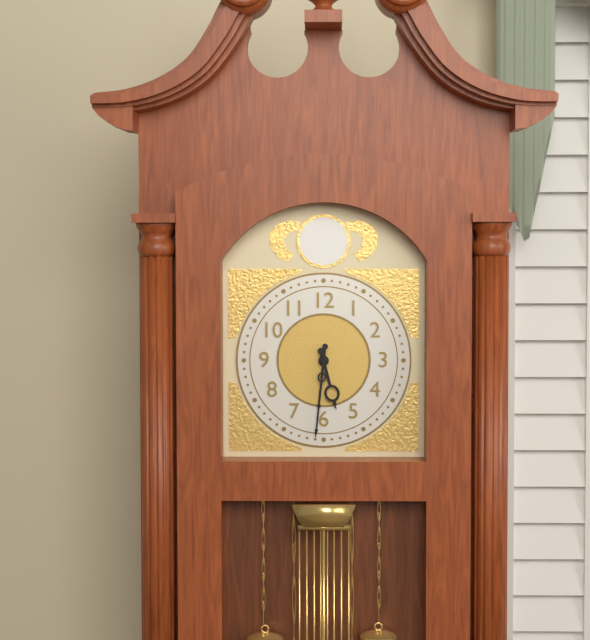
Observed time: 5:31
